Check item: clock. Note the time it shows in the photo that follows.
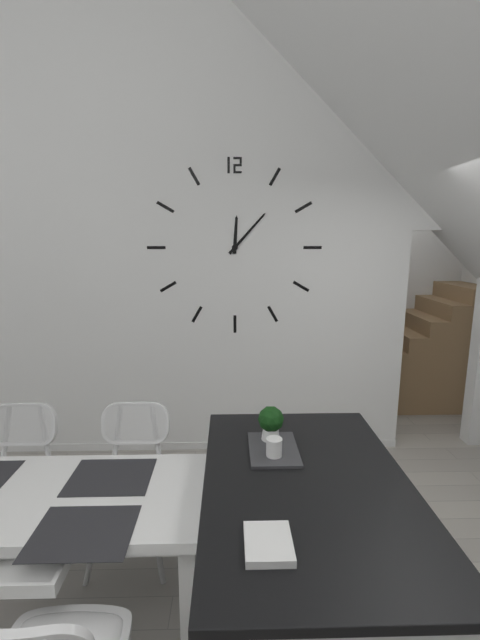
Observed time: 12:07
